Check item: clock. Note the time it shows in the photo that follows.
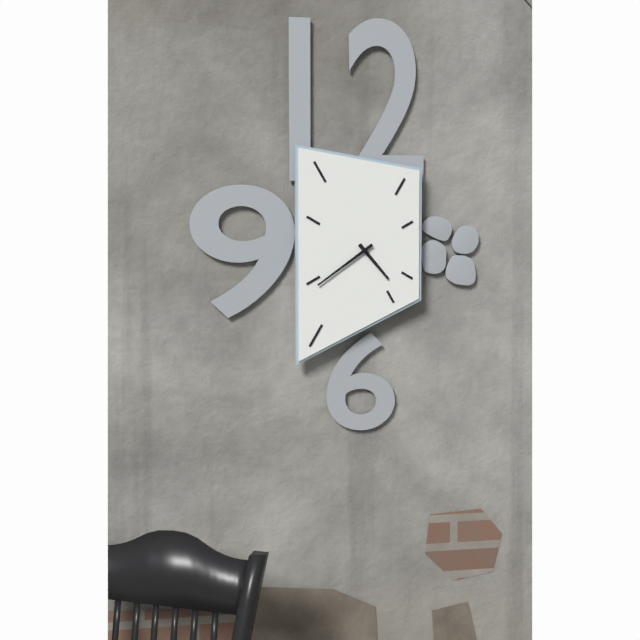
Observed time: 4:39
